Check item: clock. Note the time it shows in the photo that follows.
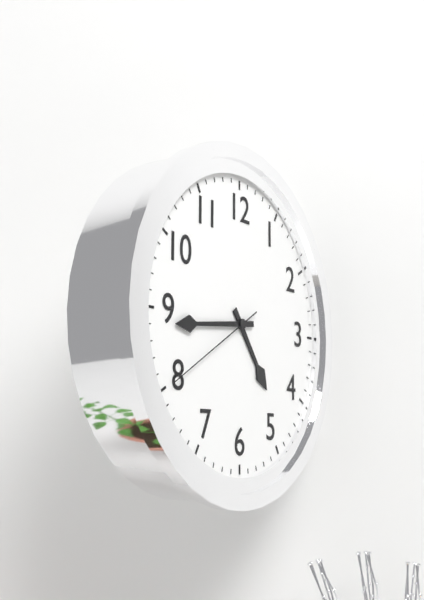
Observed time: 4:44:40
